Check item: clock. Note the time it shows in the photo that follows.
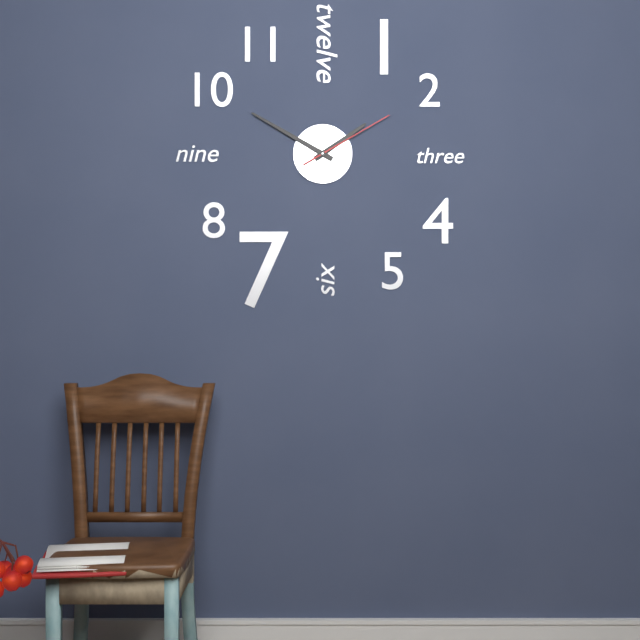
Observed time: 1:50:10
